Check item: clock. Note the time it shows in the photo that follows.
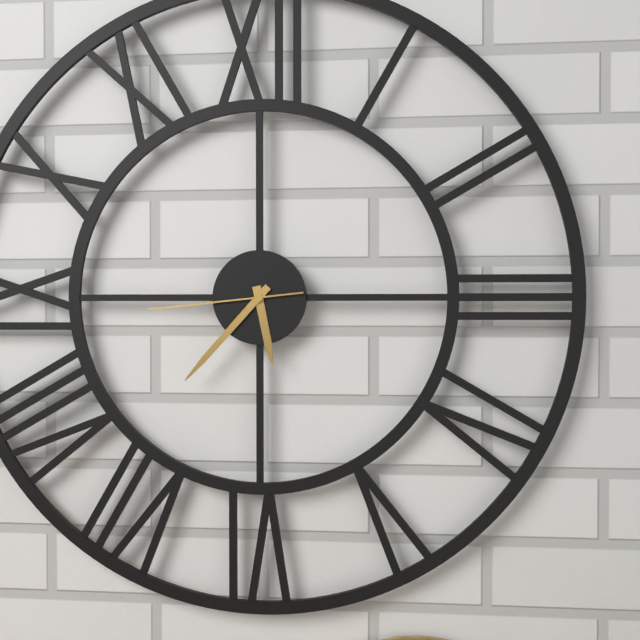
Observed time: 5:37:44
